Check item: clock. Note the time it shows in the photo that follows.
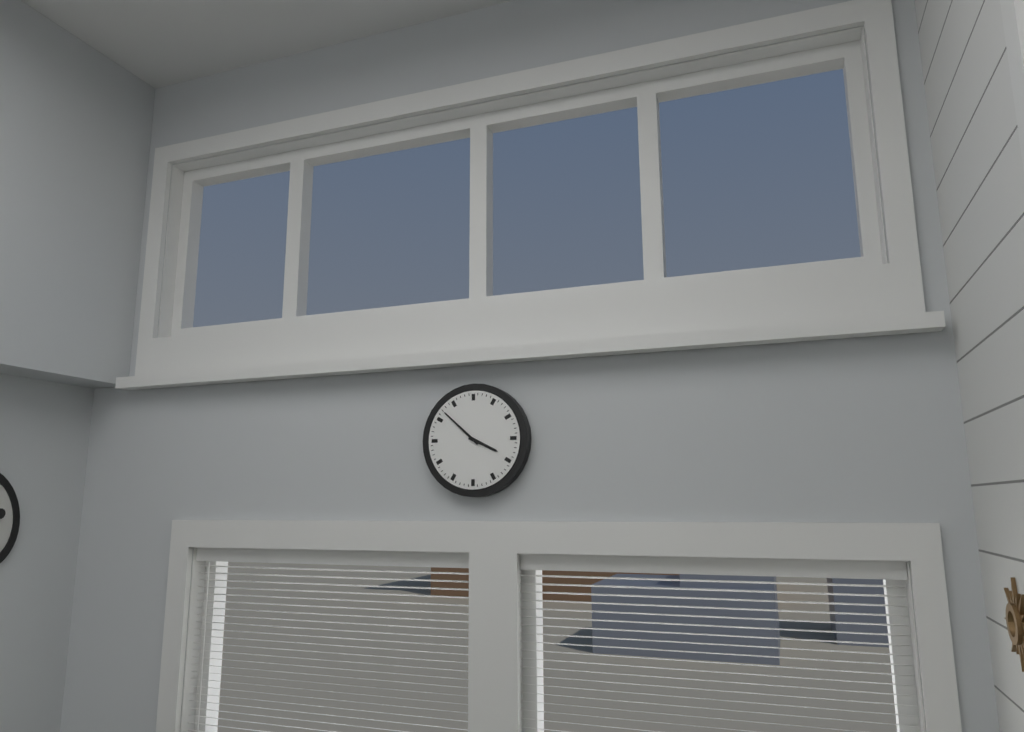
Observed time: 3:52
